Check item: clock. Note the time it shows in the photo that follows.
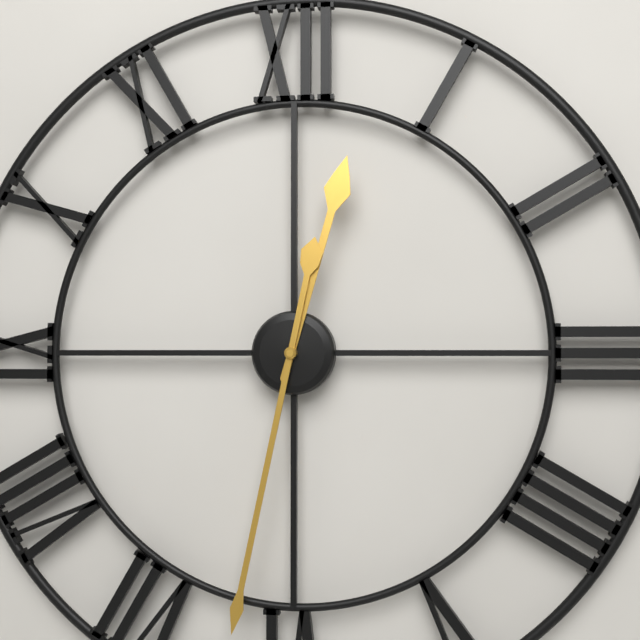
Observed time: 12:32
